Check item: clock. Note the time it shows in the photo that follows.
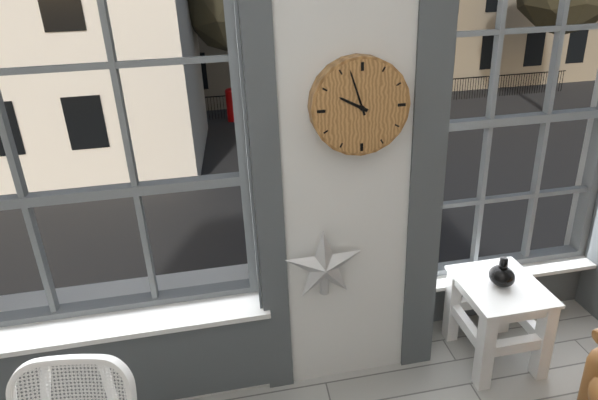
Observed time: 9:57
